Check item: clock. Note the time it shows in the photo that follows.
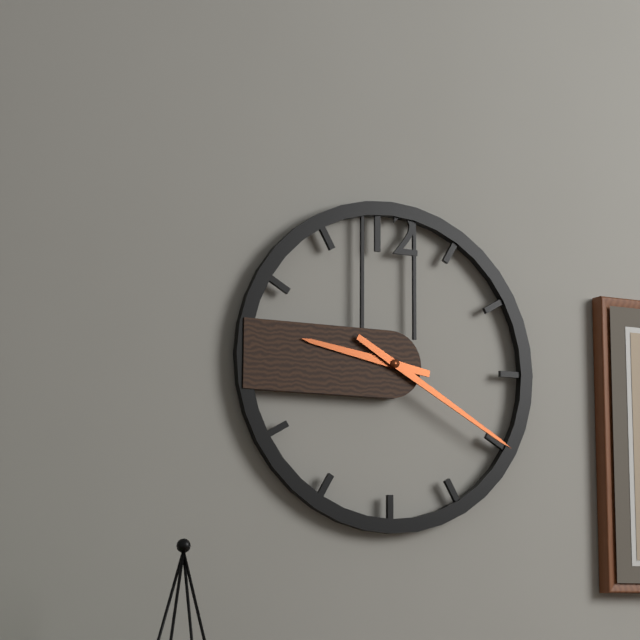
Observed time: 9:20
